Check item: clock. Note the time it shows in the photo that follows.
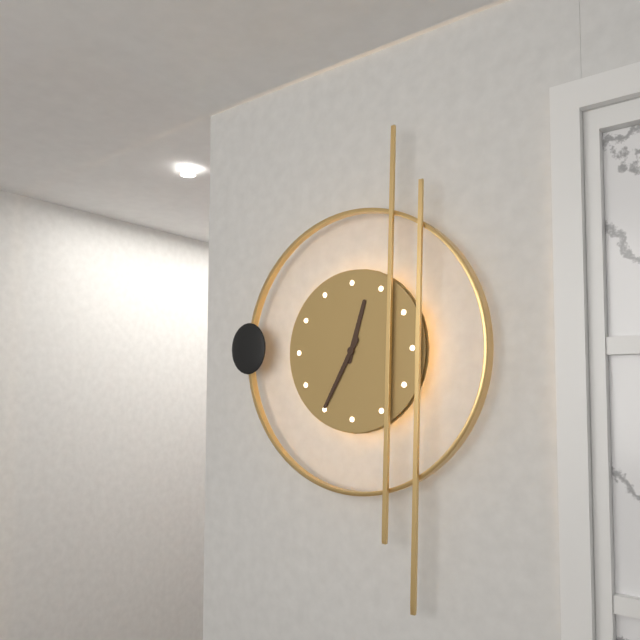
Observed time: 12:35
